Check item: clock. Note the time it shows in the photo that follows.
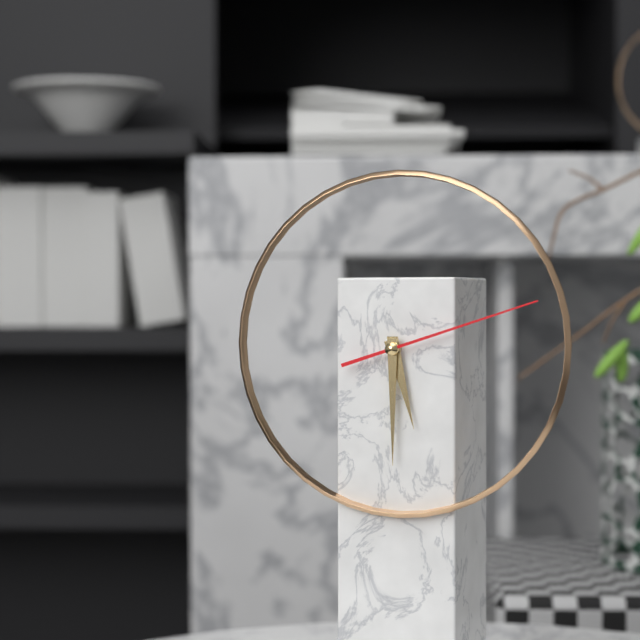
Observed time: 5:30:12
